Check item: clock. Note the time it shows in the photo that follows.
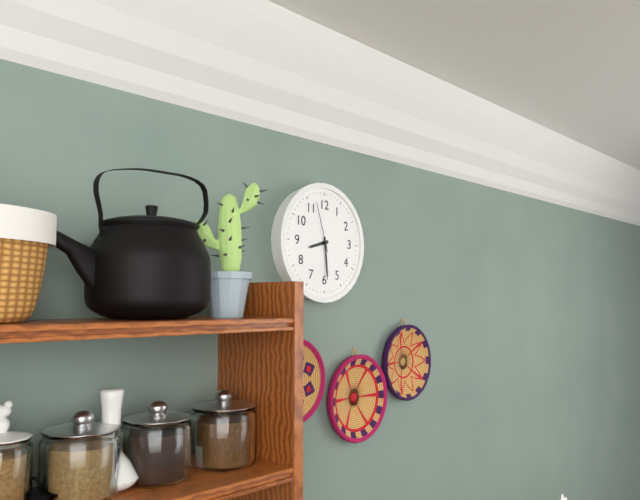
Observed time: 8:29:57
